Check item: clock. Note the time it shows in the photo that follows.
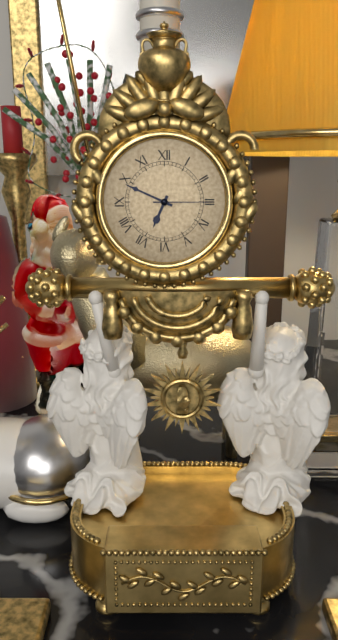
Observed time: 6:49:15
